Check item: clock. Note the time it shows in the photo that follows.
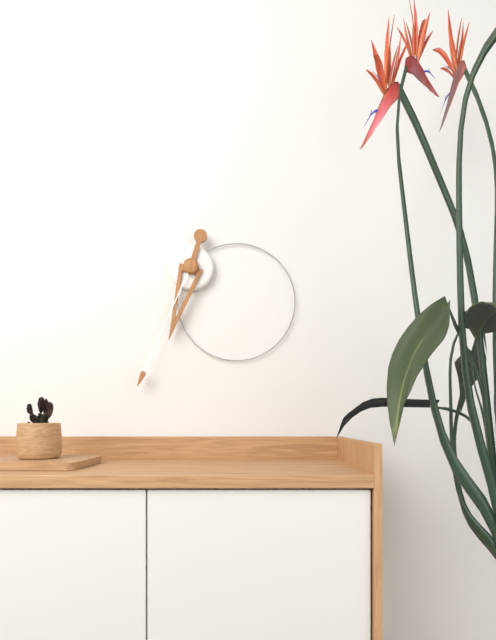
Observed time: 6:34
